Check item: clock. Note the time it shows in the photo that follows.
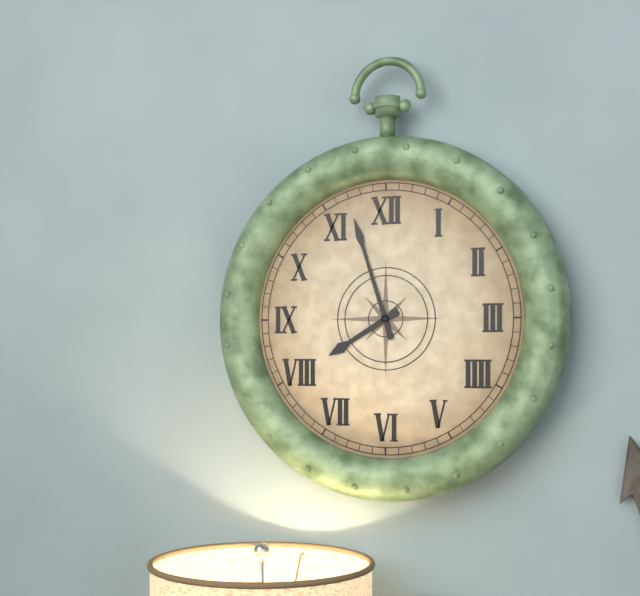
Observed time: 7:57
